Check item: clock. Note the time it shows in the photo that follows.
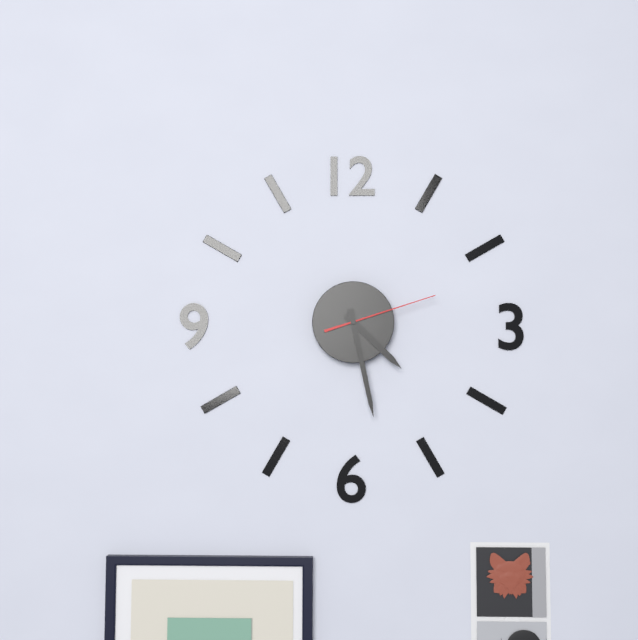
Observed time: 4:28:12
